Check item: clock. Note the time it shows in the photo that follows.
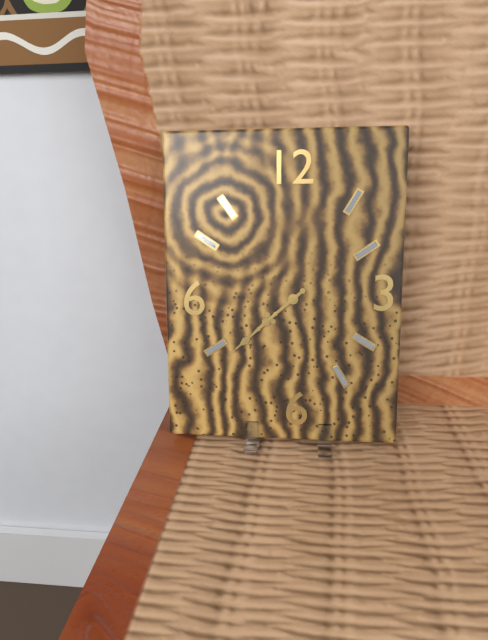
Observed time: 7:38
